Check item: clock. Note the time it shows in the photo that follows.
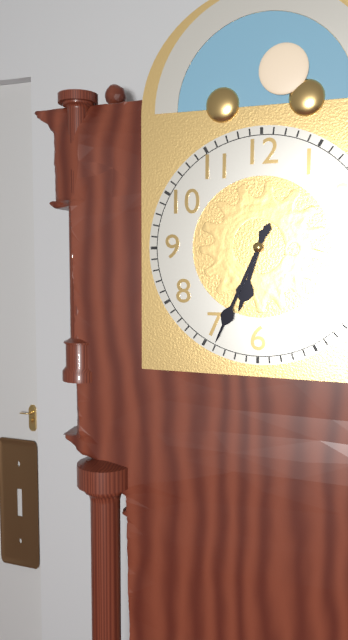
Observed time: 6:34
